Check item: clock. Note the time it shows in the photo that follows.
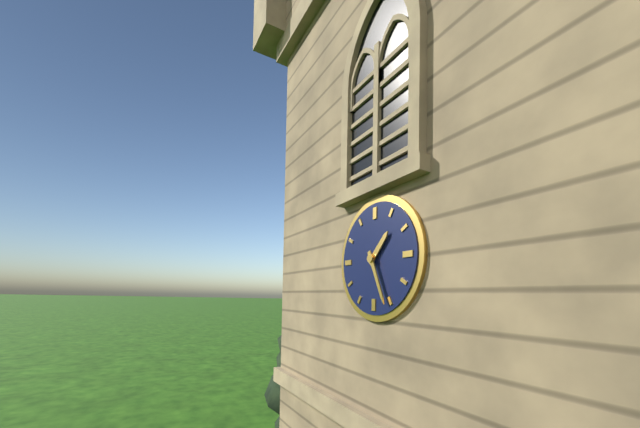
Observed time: 1:26
